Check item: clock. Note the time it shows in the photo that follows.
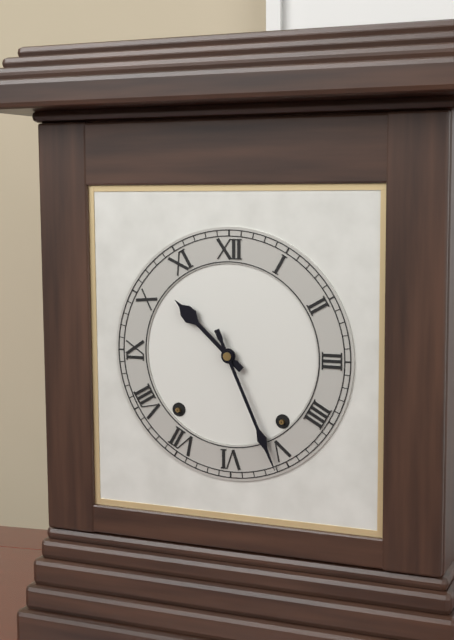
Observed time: 10:26
